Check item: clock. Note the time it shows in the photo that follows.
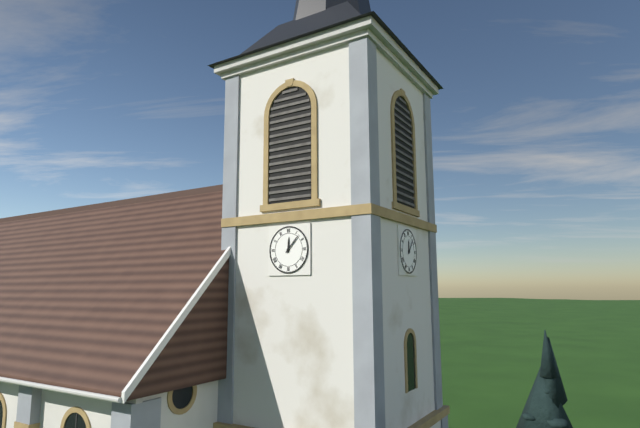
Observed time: 12:07
